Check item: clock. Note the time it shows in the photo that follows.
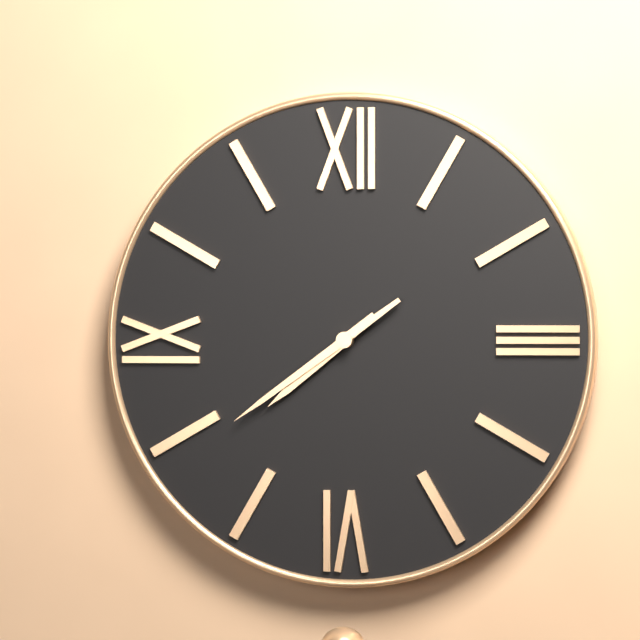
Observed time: 7:39
